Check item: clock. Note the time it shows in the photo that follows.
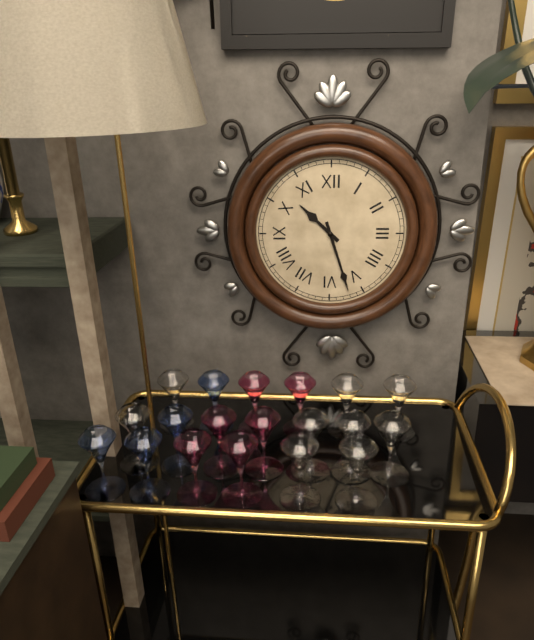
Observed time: 10:27
